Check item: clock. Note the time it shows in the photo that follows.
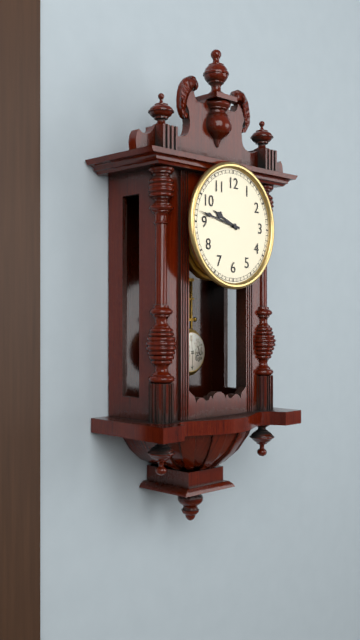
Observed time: 9:47
